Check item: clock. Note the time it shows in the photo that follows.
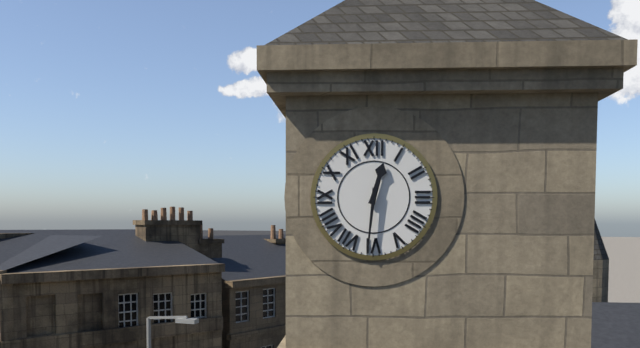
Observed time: 12:31
